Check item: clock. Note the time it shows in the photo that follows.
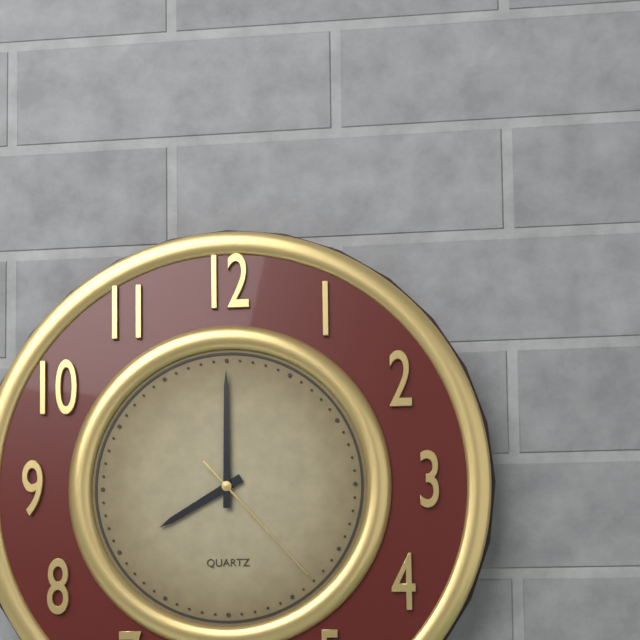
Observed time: 8:00:23
